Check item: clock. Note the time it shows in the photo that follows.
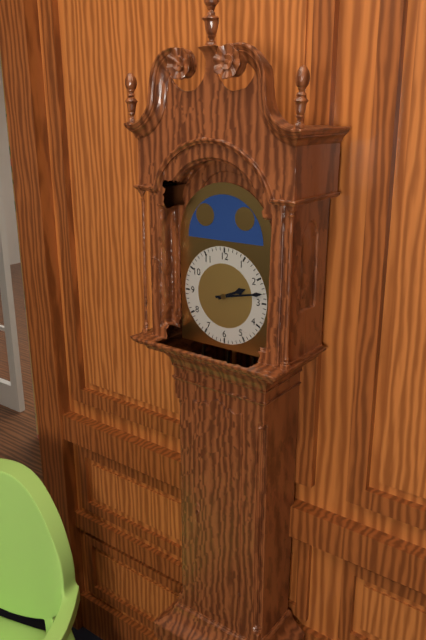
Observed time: 2:13
